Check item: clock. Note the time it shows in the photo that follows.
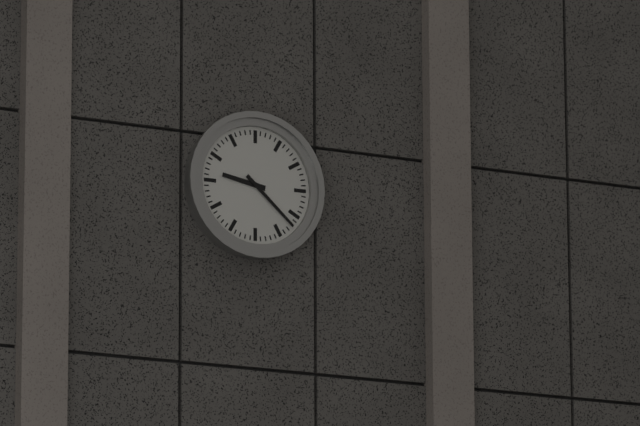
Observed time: 9:22
